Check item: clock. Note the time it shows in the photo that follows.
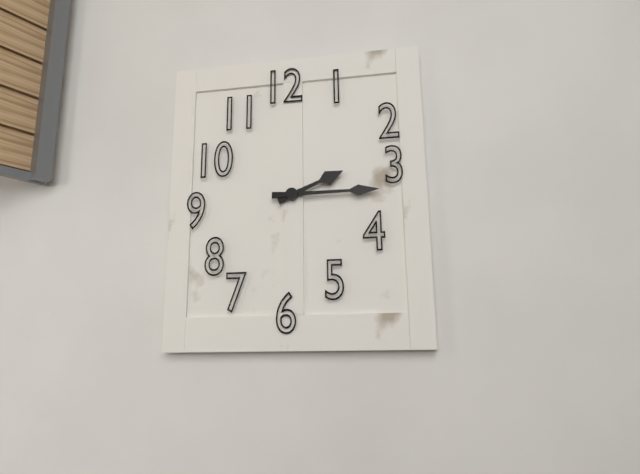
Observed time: 2:15
